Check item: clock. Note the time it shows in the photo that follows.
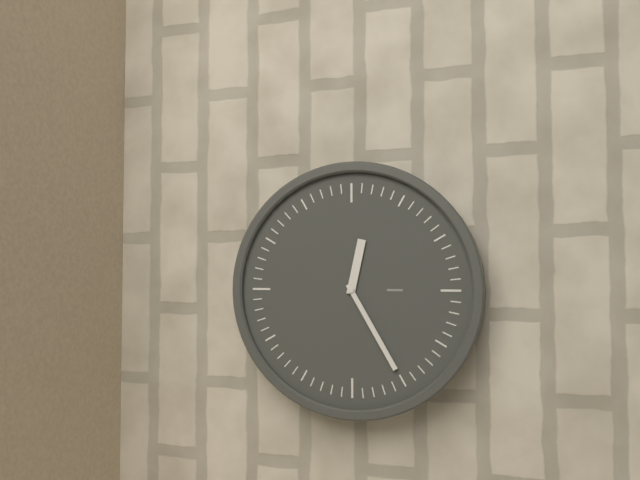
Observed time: 12:25
